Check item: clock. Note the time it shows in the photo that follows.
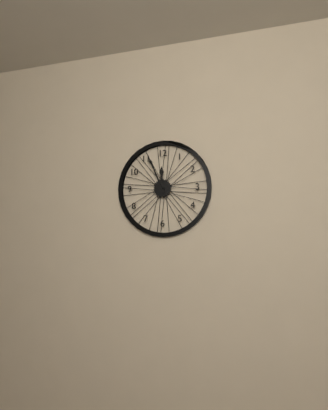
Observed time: 11:56
